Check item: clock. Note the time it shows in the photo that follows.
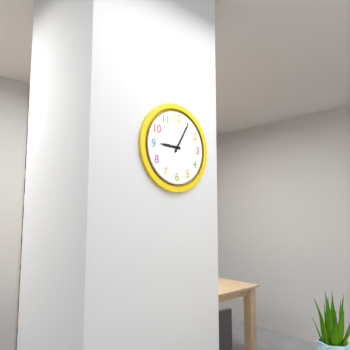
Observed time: 9:05
